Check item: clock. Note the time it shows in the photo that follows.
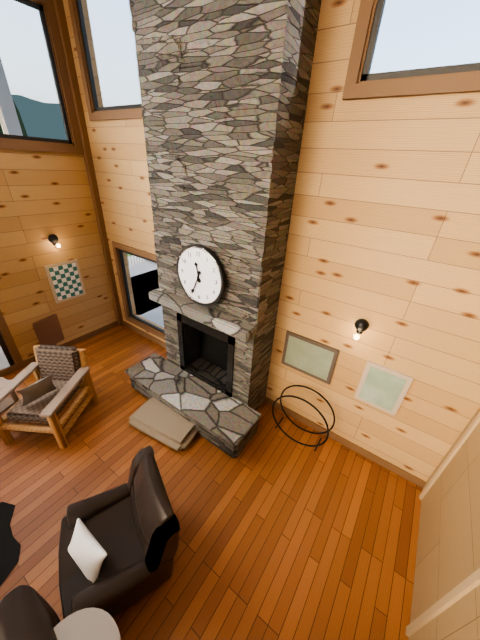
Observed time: 11:34
